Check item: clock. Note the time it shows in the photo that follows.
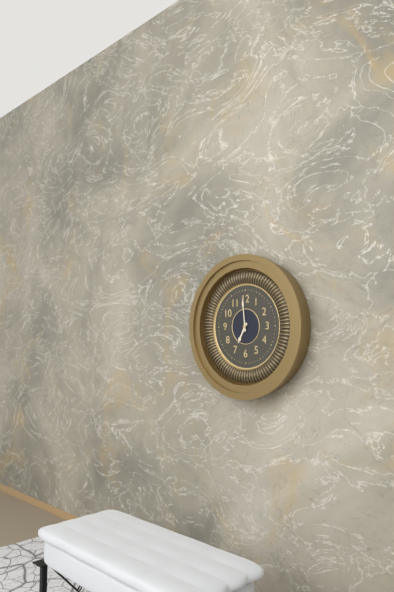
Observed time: 6:59
